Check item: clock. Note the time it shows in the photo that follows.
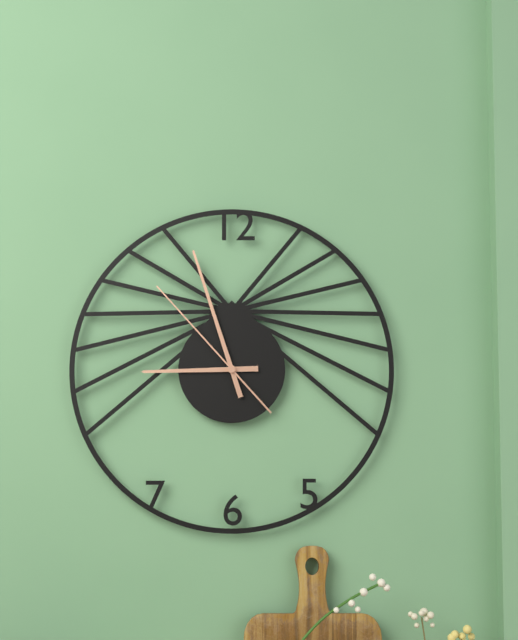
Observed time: 8:57:53
